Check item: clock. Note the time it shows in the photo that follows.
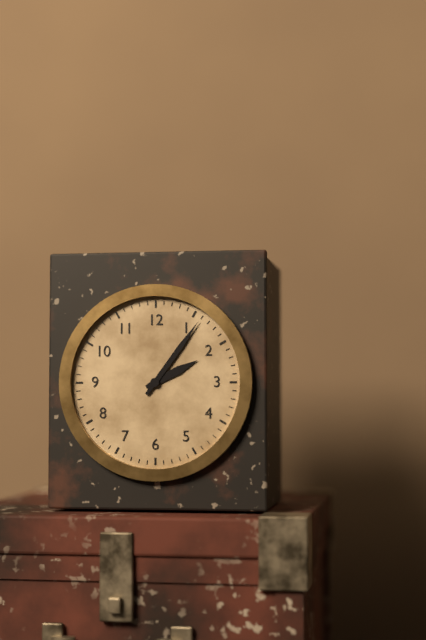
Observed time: 2:06
